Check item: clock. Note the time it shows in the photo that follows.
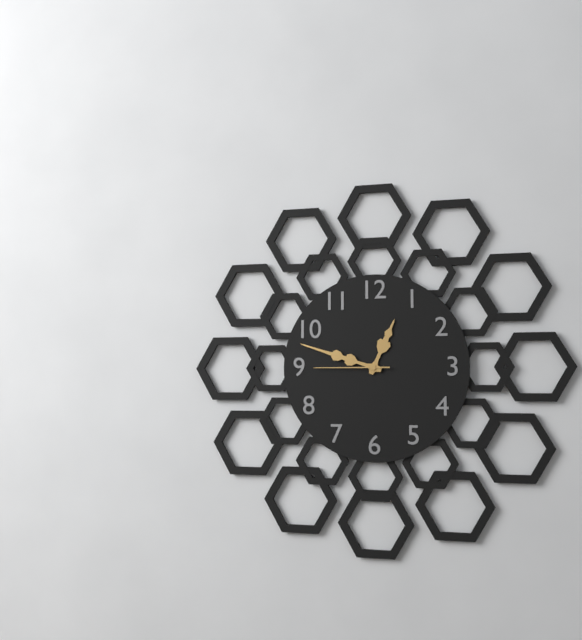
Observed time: 12:48:45
